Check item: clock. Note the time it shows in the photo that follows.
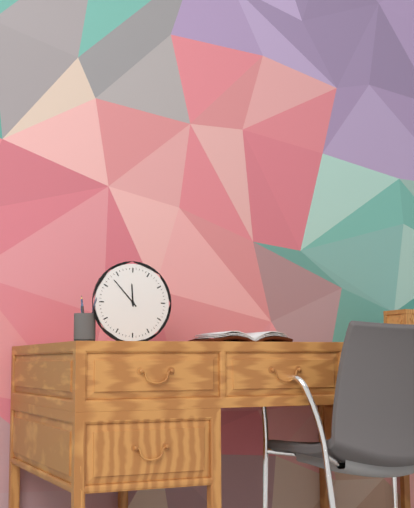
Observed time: 11:53
